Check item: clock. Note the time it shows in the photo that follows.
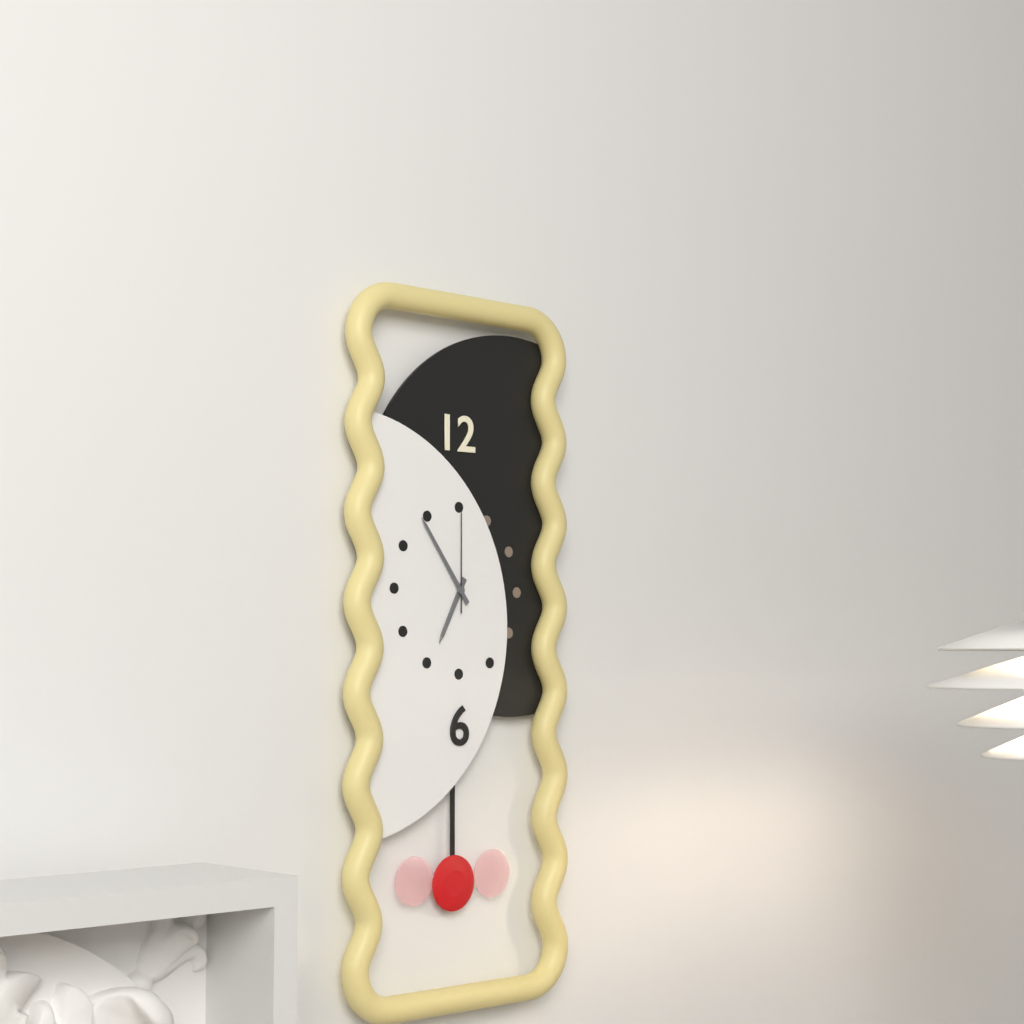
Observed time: 6:54:00
